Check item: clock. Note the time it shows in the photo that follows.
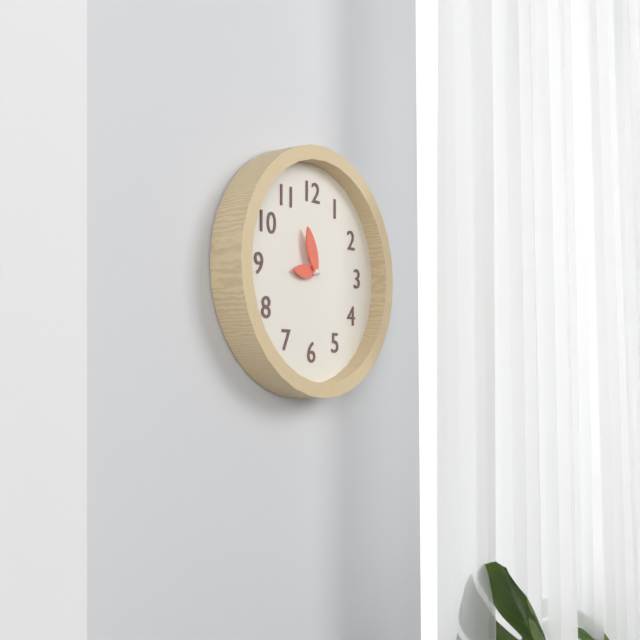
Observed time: 8:57
